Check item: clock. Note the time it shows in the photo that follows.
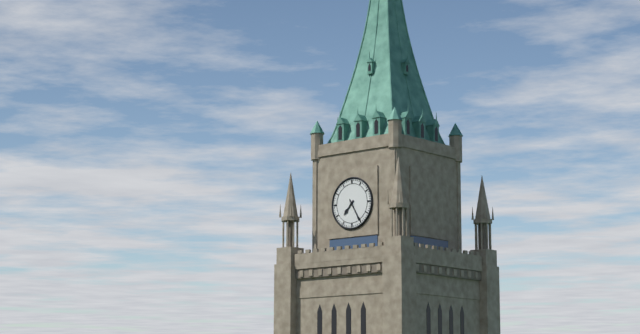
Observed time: 7:25
